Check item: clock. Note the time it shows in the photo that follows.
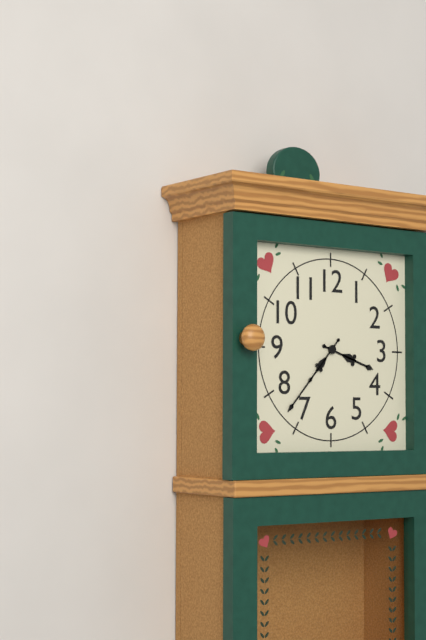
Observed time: 3:37
